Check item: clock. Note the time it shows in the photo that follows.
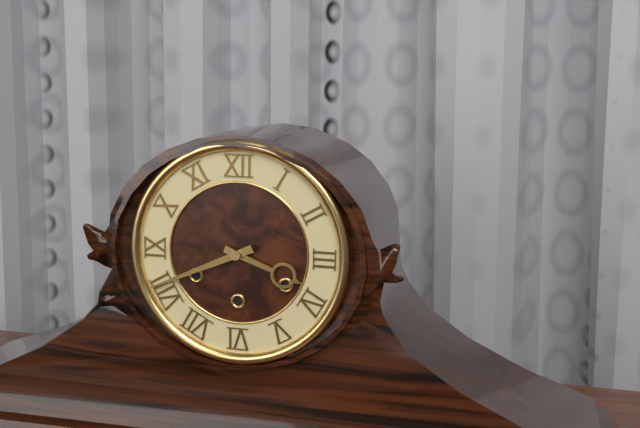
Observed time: 3:41
